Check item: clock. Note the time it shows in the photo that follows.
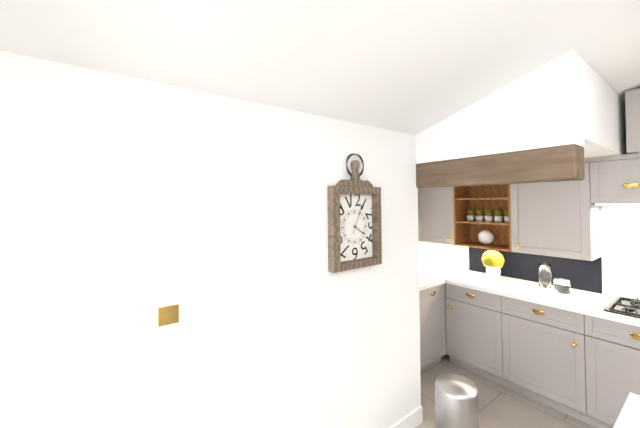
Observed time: 4:04
